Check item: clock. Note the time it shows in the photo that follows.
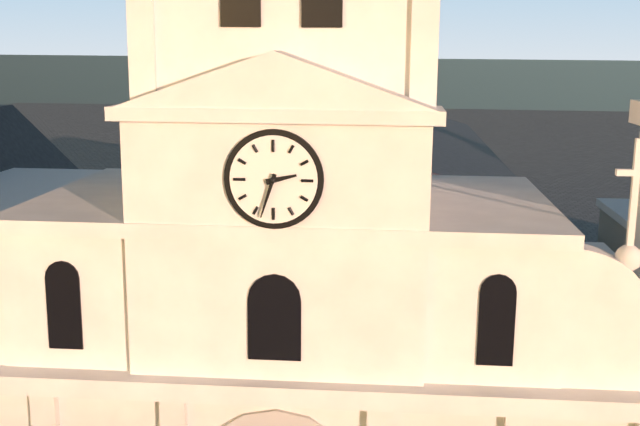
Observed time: 2:33
